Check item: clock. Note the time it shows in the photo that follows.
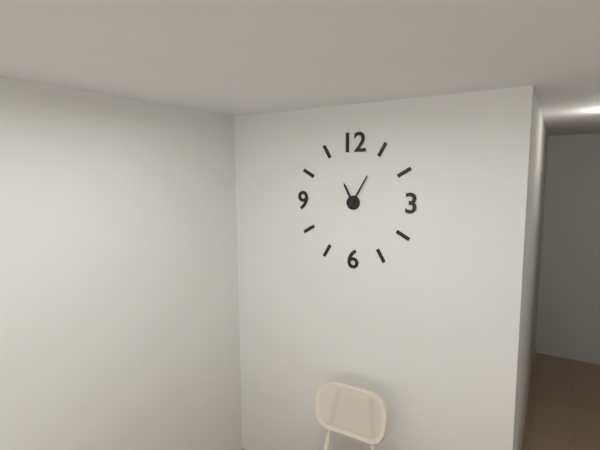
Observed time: 11:05
